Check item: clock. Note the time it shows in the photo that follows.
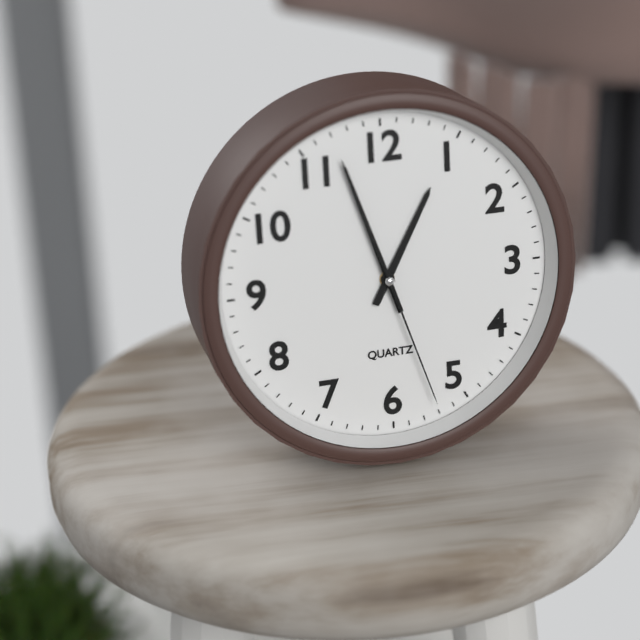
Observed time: 12:57:27
